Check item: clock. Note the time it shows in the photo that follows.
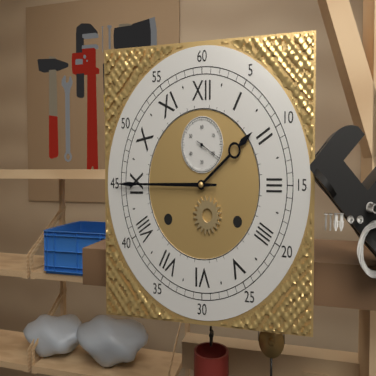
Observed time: 1:45
